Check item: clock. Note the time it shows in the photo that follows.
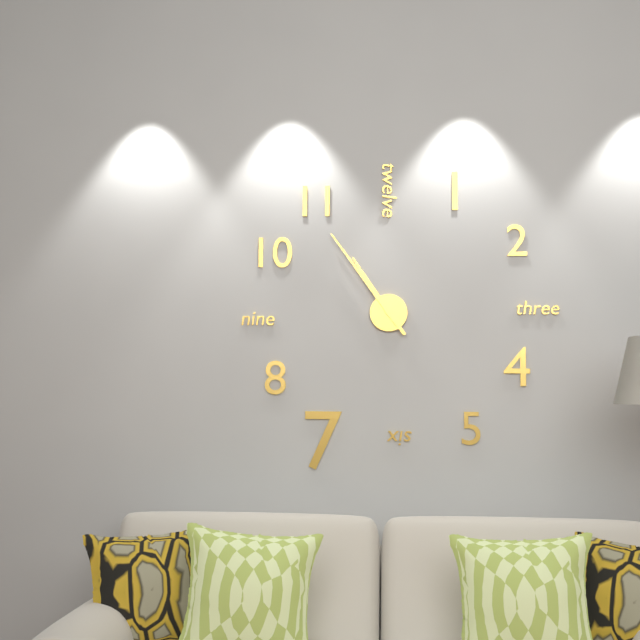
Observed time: 10:54
